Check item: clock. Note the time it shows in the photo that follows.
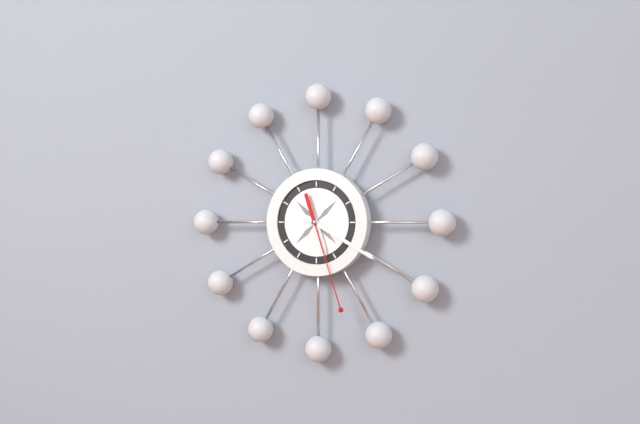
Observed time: 5:20:27
